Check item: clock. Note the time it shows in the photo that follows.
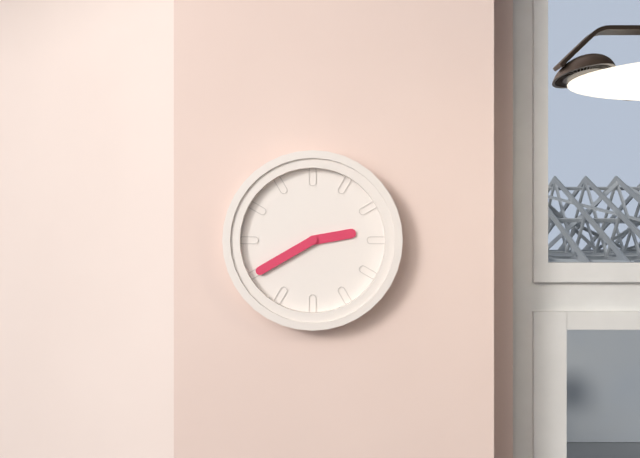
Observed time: 2:40
